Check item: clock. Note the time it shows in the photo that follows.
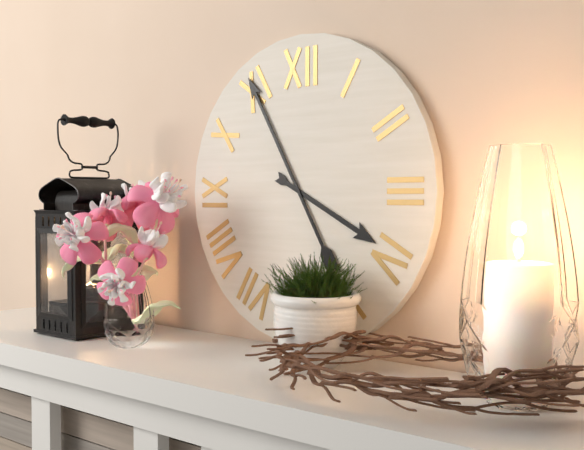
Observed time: 3:55
